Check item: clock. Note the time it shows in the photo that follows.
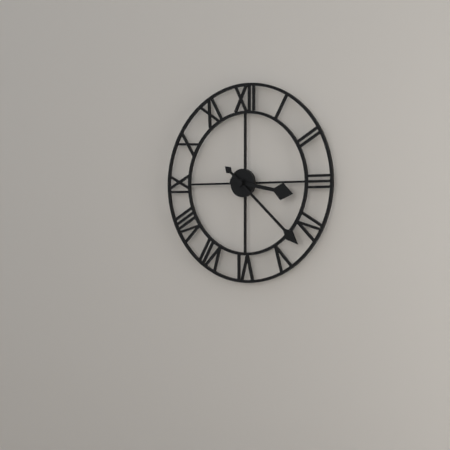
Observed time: 3:22
